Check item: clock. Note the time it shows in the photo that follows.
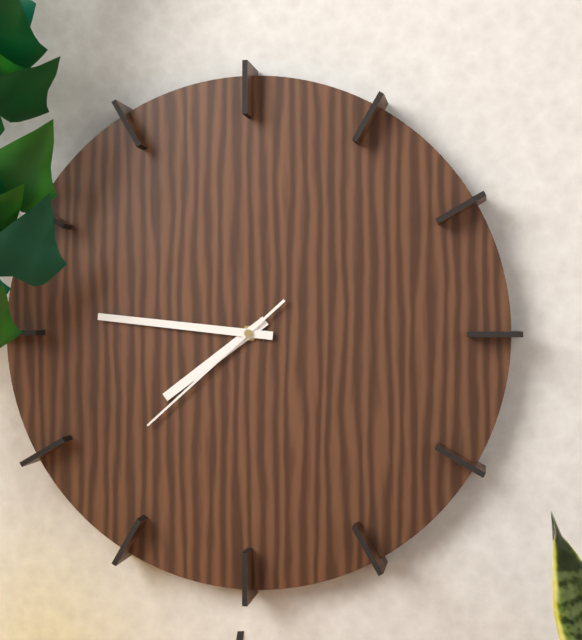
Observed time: 7:46:38
